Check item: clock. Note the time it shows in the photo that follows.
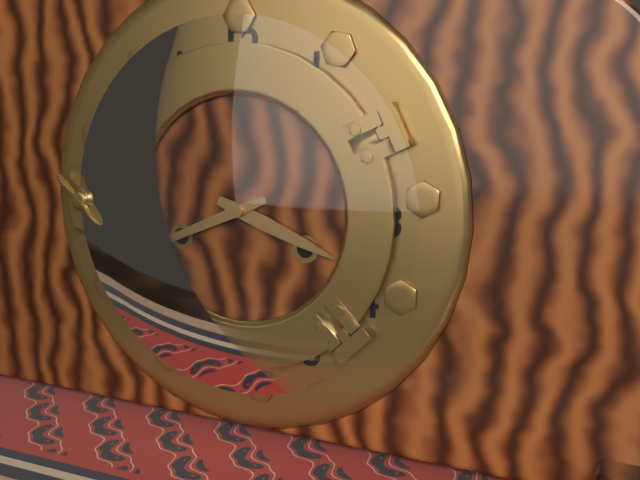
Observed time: 3:41
